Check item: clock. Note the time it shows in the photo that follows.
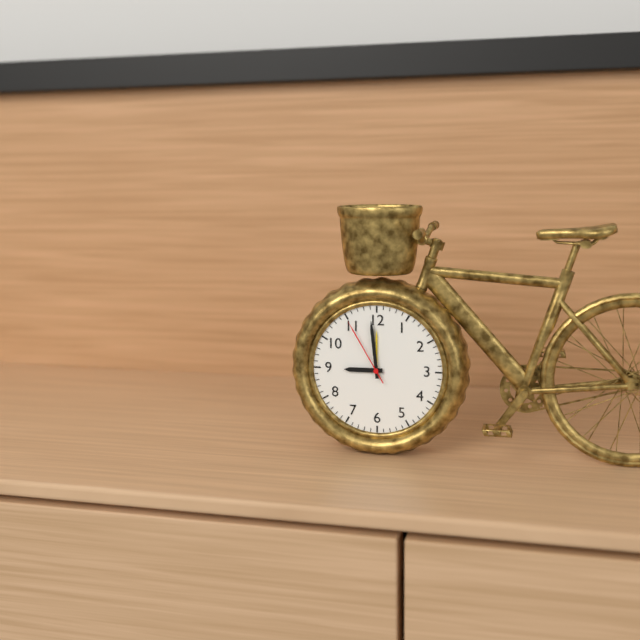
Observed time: 8:59:55
